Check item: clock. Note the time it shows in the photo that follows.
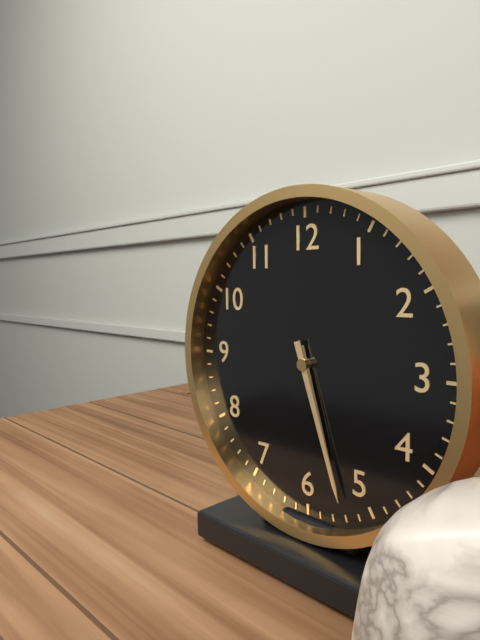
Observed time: 5:27
